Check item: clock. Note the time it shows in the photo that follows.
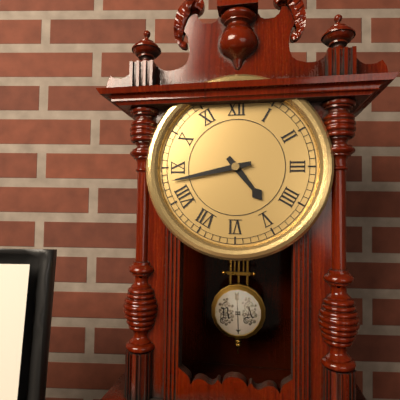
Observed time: 4:43
